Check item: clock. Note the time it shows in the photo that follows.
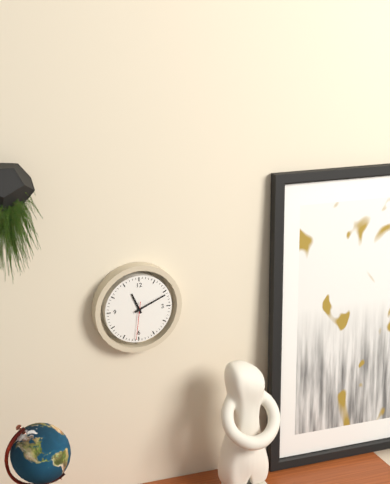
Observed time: 11:11
